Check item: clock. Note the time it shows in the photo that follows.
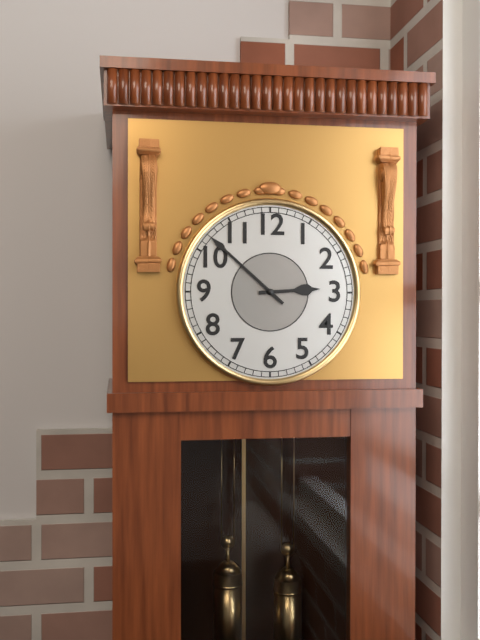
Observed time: 2:52
